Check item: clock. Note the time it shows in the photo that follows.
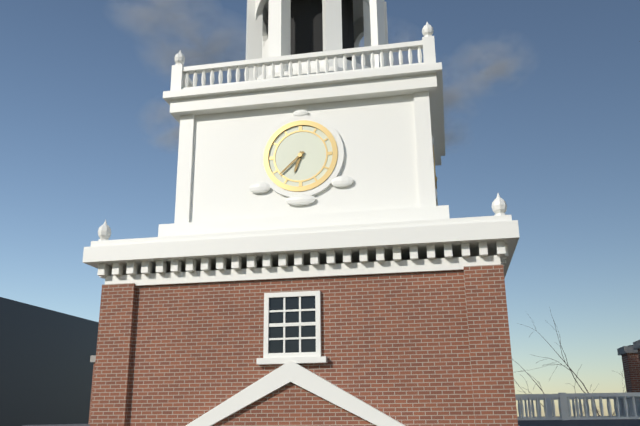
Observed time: 6:38
